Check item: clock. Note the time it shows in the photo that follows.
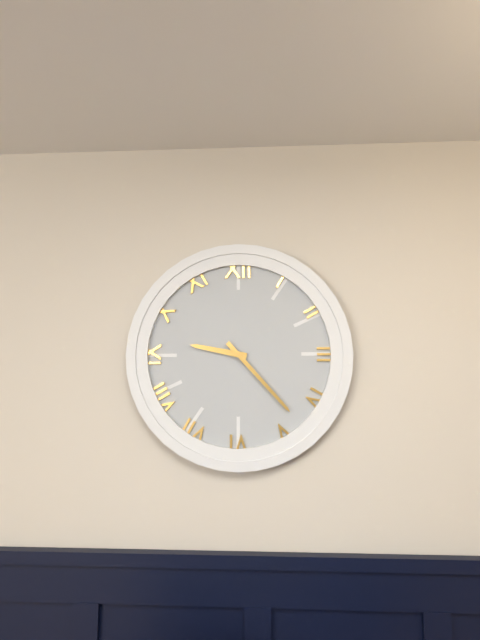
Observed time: 9:23
